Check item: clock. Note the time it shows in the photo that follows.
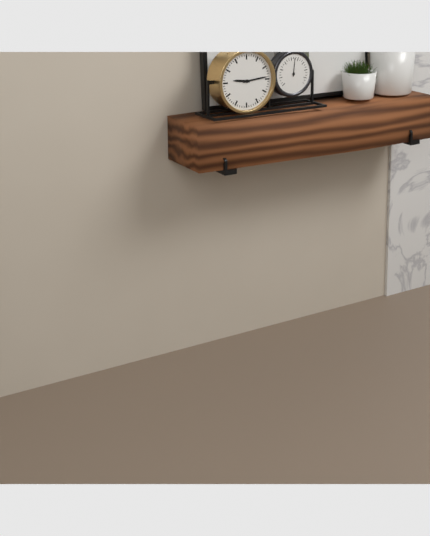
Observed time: 9:14
